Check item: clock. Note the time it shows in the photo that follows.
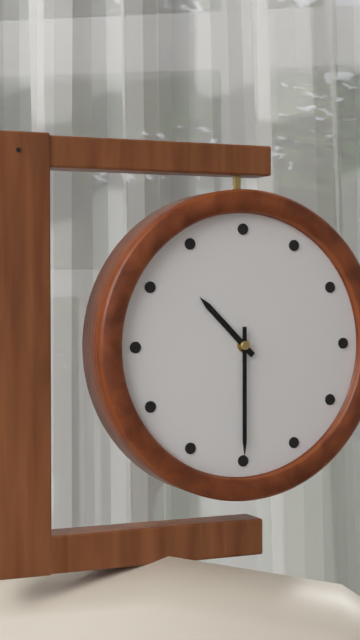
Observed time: 10:30
